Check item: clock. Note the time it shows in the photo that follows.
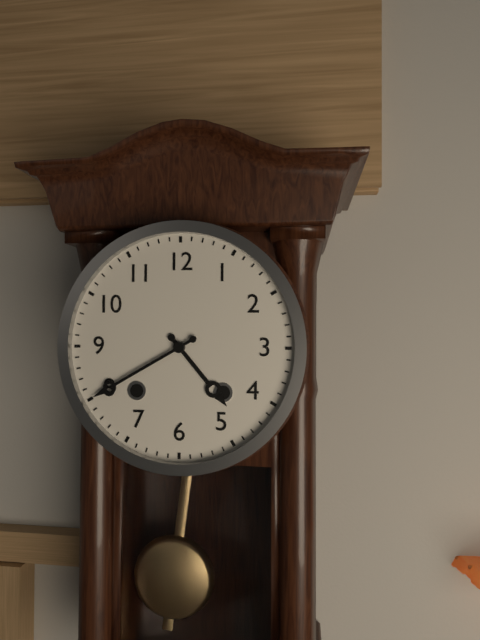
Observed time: 4:40
